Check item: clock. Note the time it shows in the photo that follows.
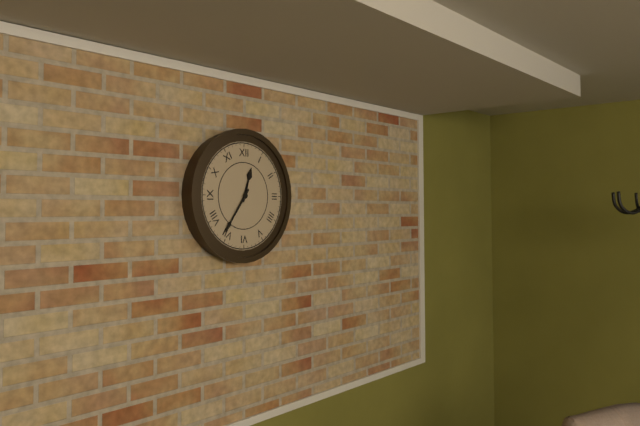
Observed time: 12:36
